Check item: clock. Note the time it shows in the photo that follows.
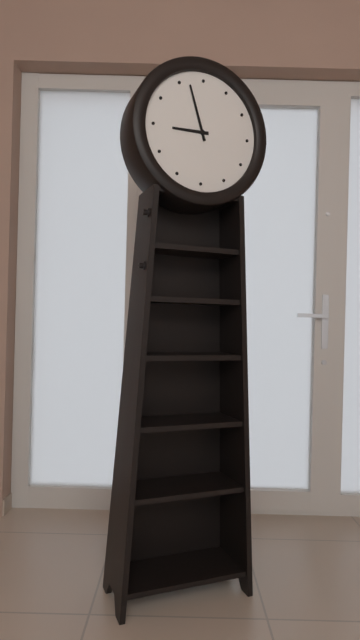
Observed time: 8:57
